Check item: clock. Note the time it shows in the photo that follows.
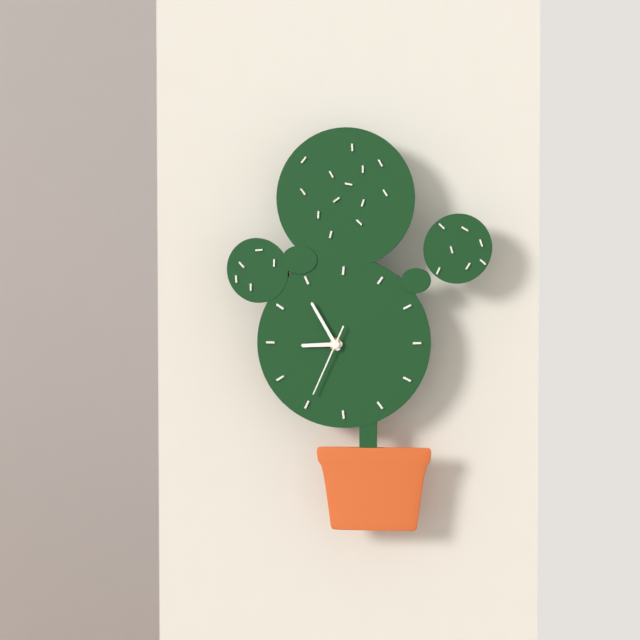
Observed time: 8:55:34
